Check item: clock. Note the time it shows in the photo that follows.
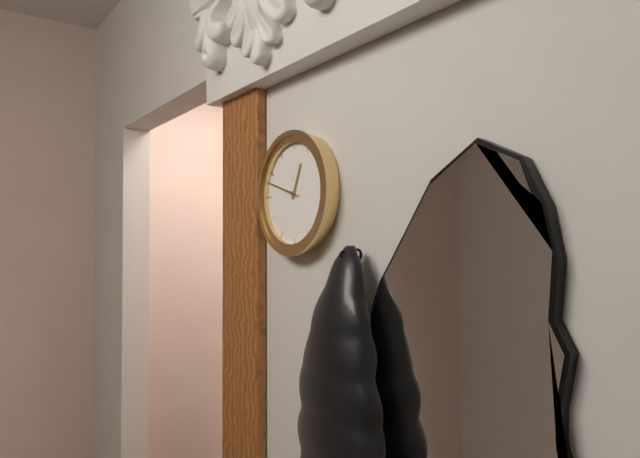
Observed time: 12:48
